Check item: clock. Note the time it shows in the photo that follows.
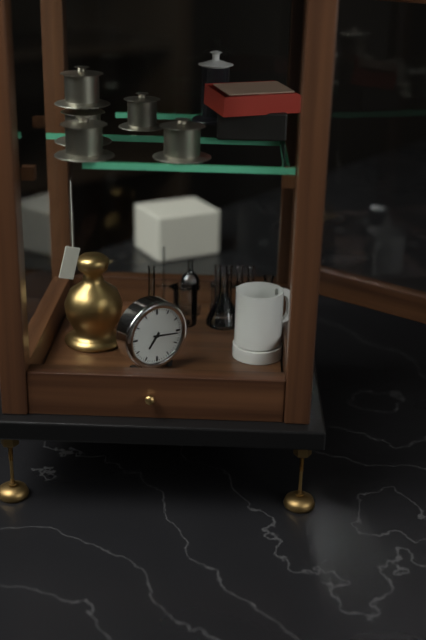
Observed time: 7:16
